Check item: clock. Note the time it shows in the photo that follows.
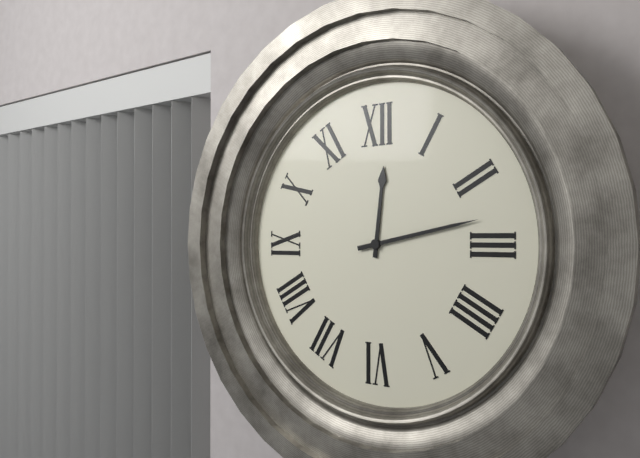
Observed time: 12:13
